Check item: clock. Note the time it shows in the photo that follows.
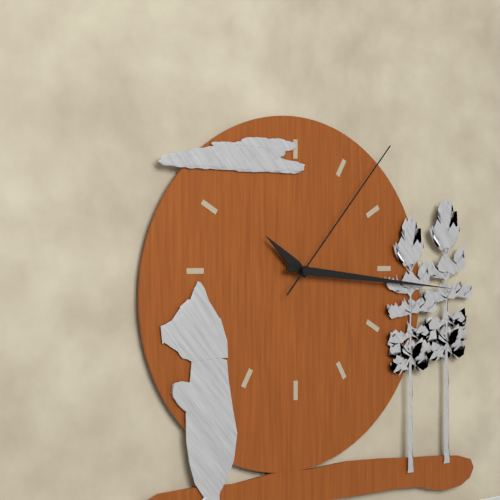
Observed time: 10:16:07
